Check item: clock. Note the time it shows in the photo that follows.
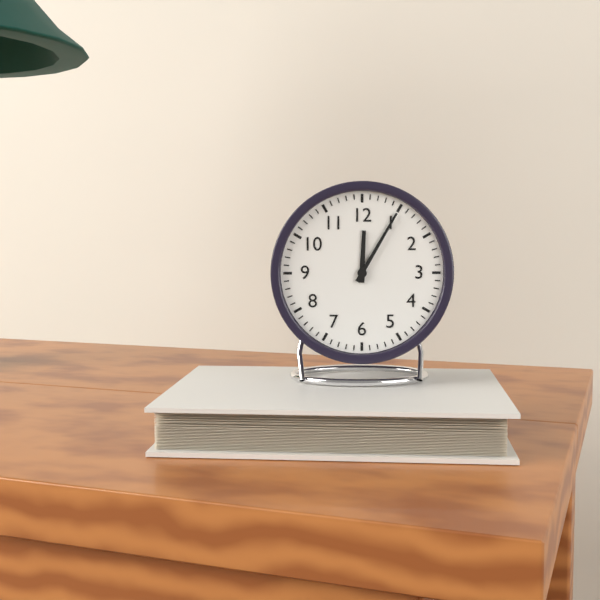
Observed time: 12:05
